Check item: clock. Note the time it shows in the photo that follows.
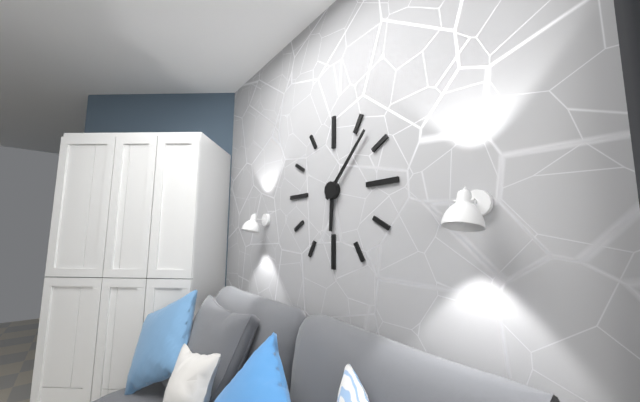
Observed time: 6:07
